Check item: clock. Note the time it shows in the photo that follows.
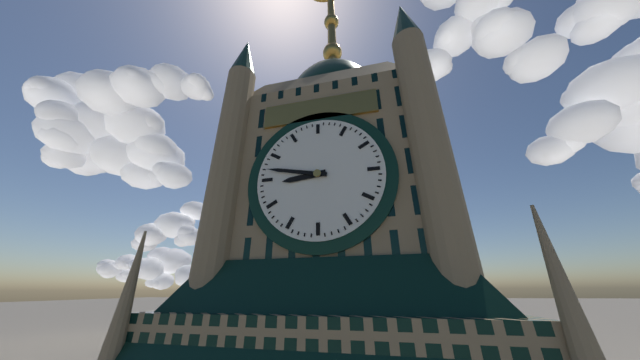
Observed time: 8:47
